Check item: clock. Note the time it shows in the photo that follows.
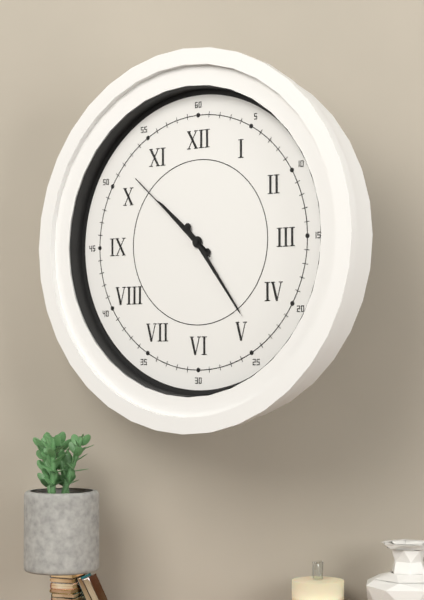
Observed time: 10:24:52
